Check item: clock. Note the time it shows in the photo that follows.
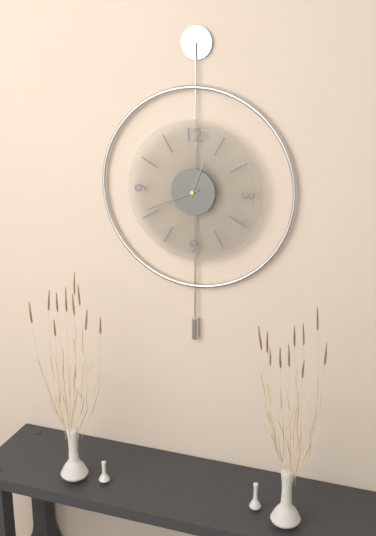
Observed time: 12:41
